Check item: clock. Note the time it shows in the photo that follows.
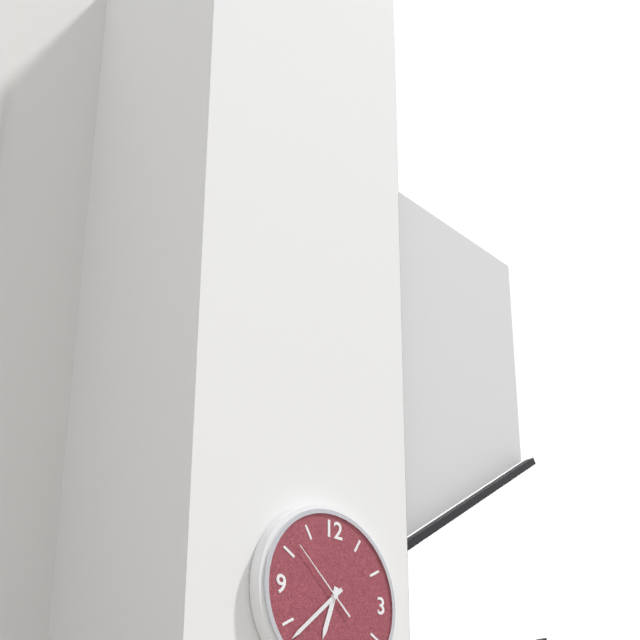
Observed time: 6:38:52
